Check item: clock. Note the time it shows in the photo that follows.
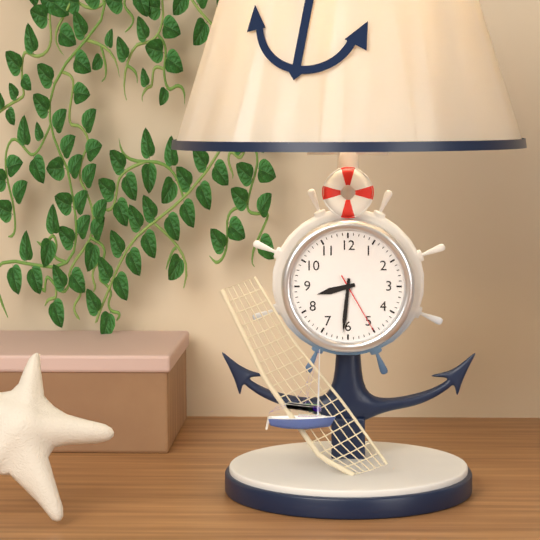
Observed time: 8:31:25
